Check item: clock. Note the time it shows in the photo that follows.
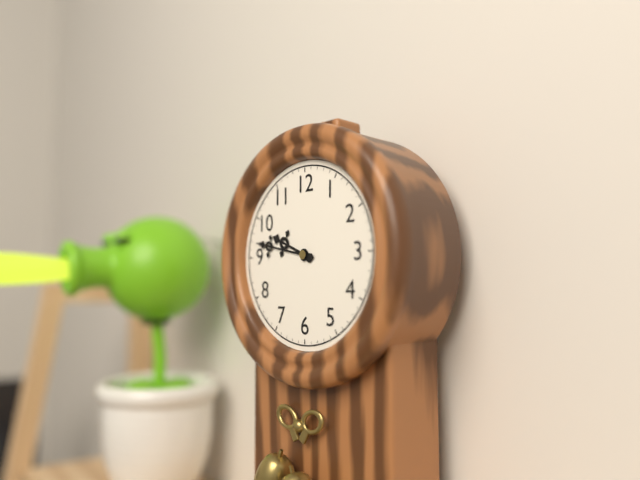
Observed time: 9:47
